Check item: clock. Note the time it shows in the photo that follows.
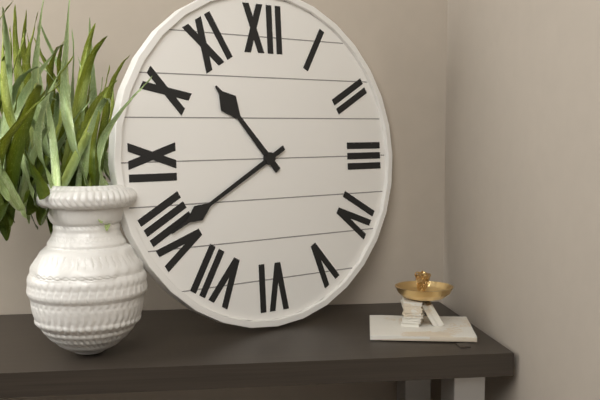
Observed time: 10:40
